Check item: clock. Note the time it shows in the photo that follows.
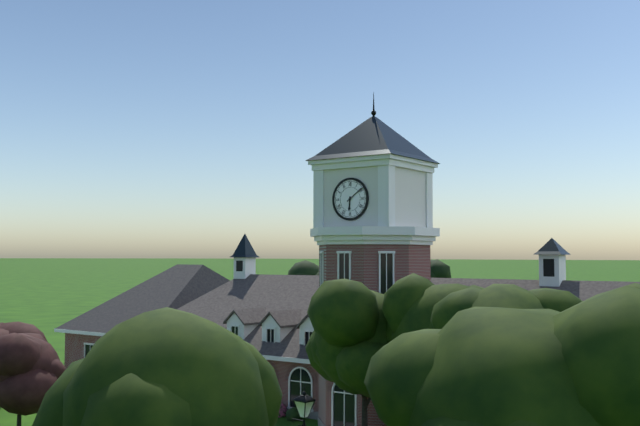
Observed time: 6:09
